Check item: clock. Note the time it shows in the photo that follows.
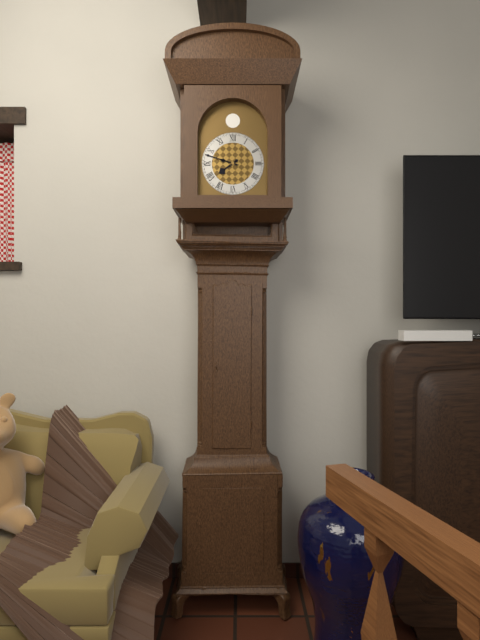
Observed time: 7:48
